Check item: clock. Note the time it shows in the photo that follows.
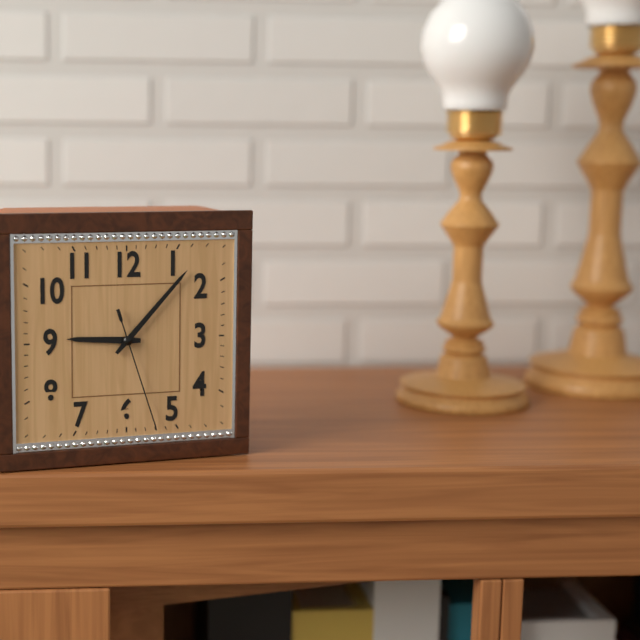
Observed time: 9:07:27
